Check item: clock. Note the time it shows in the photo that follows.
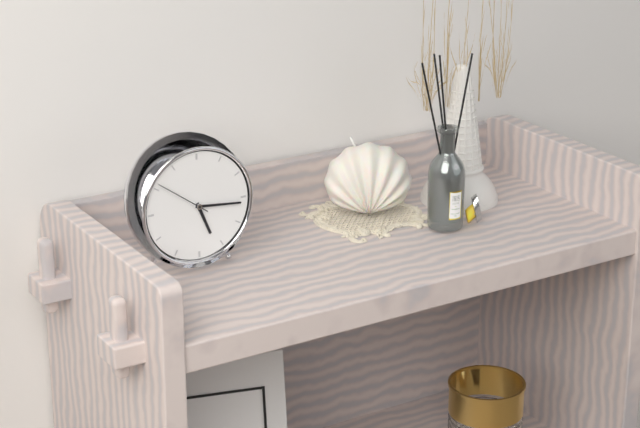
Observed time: 5:16:51
